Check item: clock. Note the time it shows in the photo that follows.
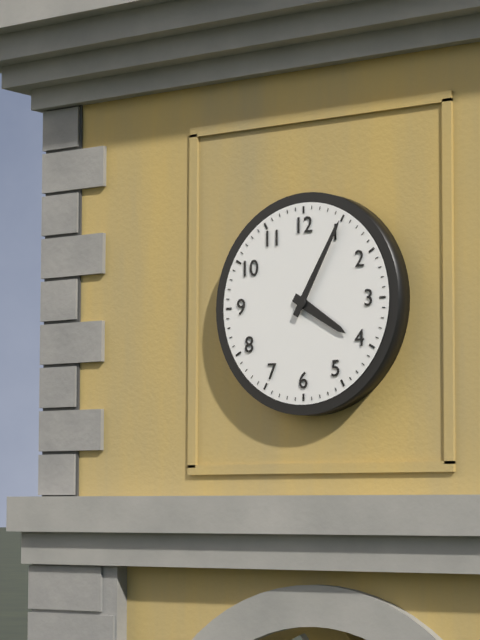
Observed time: 4:05
